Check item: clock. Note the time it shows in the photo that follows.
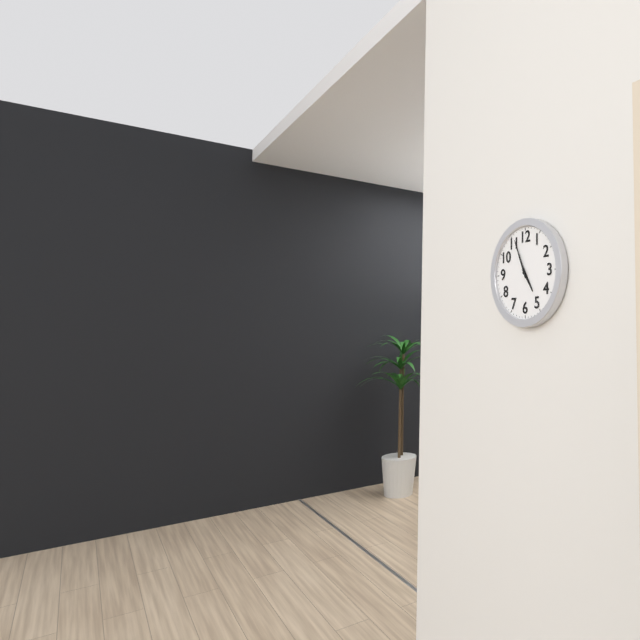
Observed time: 4:56
